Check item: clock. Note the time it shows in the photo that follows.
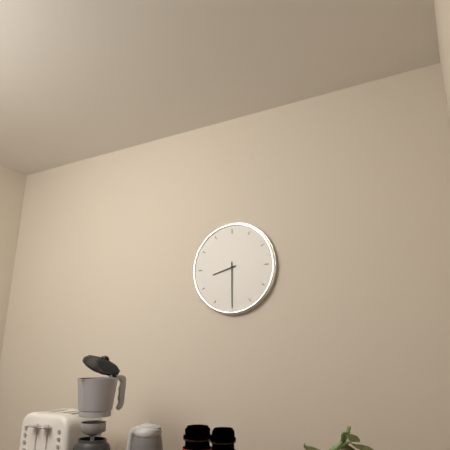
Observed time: 8:30
